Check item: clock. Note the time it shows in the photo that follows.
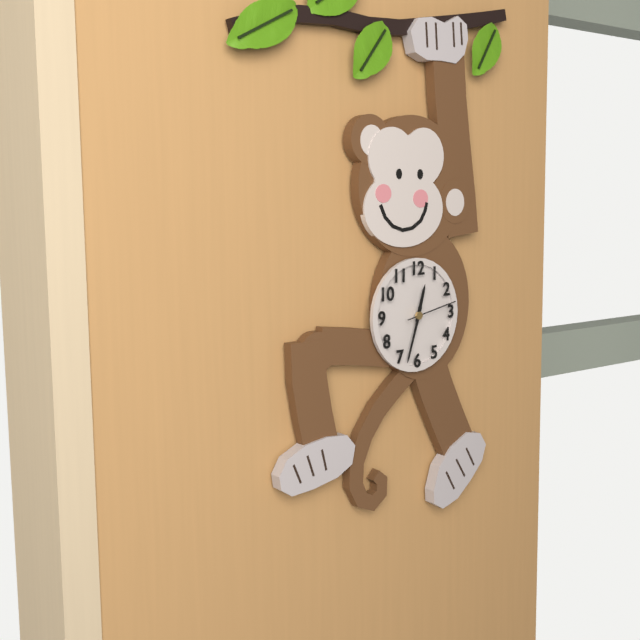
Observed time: 12:33:13
